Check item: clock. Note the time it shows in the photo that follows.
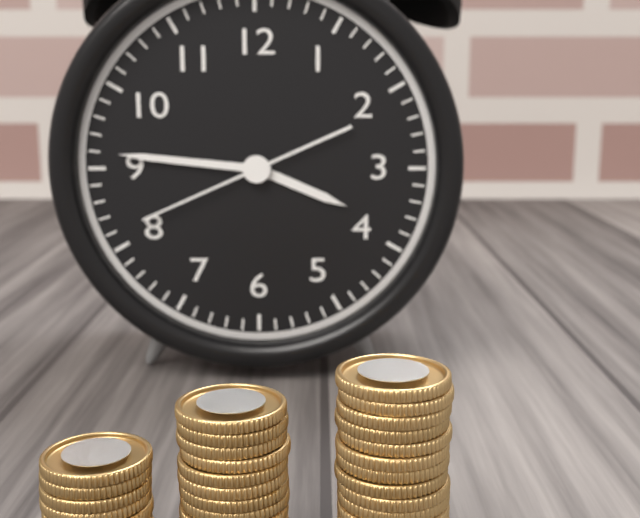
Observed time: 3:46:41
